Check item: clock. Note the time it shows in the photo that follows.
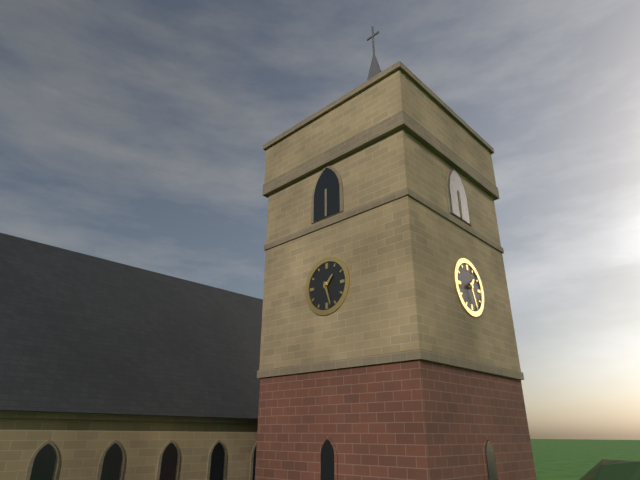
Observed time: 1:27
